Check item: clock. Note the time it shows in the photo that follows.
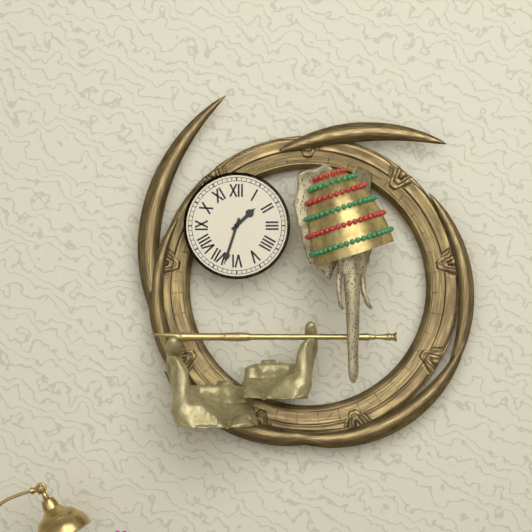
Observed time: 1:33
